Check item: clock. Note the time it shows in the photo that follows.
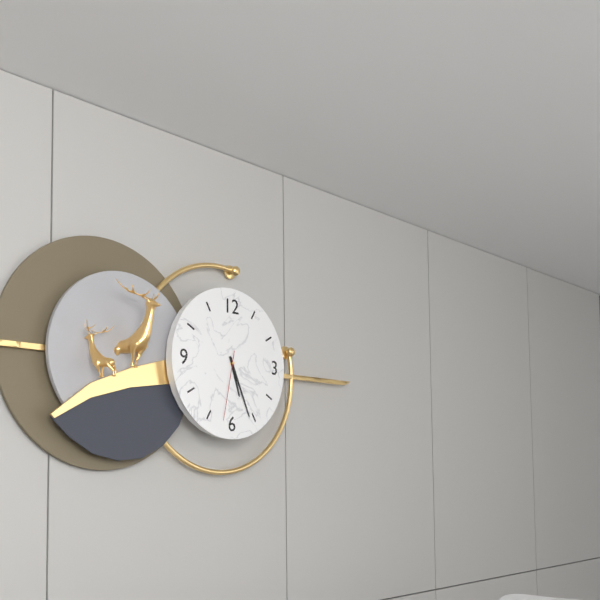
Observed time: 5:26:32
